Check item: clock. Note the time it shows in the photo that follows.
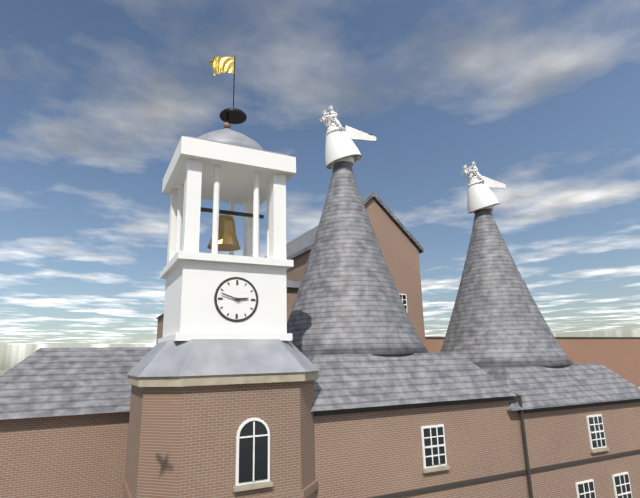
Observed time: 2:48
